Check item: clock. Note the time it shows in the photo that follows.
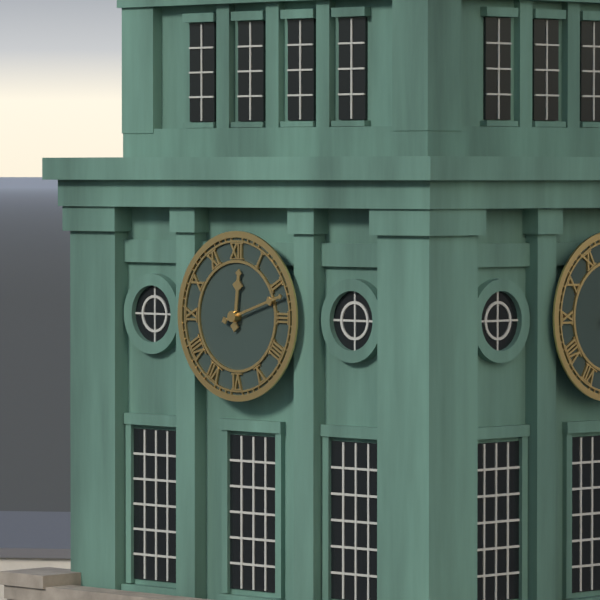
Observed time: 12:12
